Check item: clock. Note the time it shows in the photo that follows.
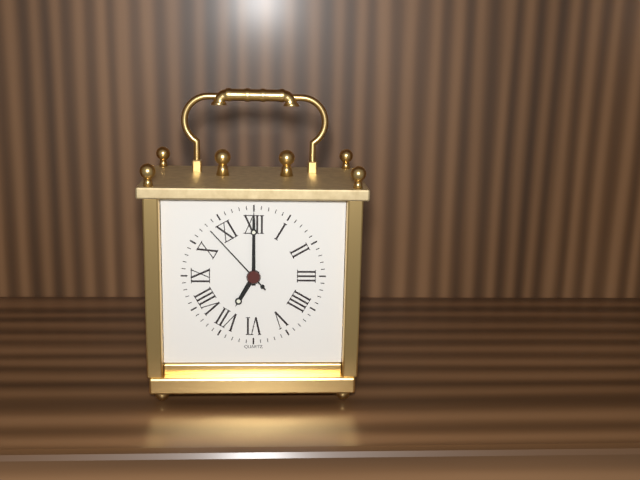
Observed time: 7:00:53
